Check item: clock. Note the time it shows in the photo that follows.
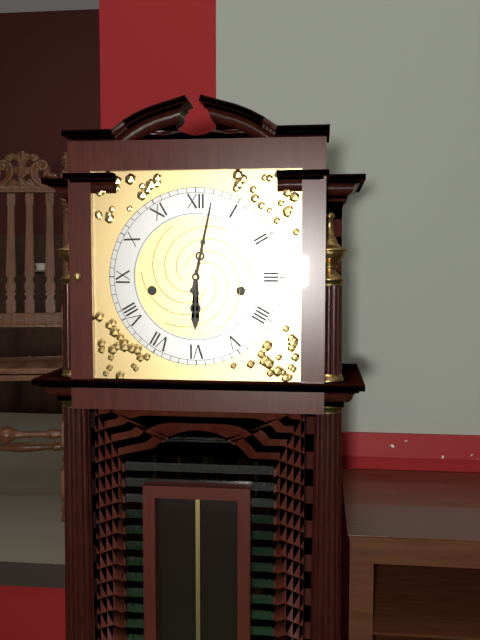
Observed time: 6:02
